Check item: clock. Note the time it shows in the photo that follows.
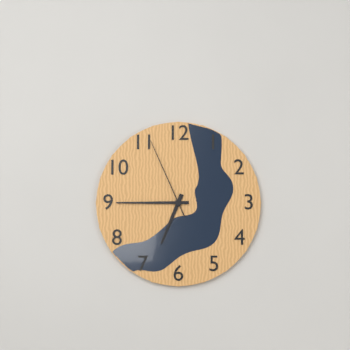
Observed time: 6:45:56
